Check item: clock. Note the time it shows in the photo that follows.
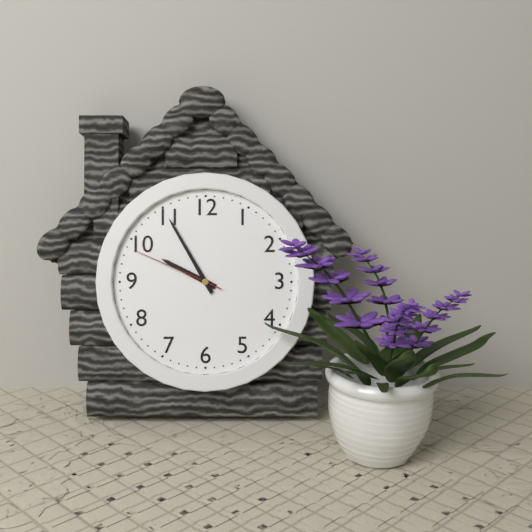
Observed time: 9:55:49
